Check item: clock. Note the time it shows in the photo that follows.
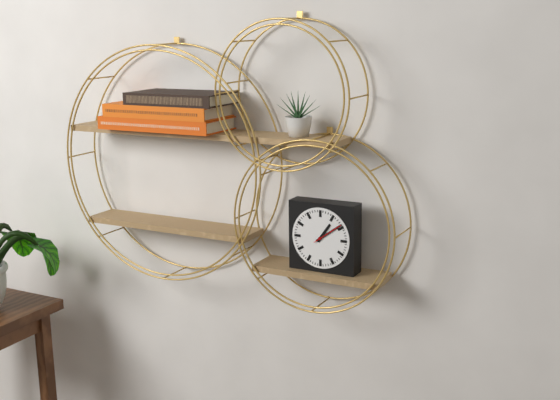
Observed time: 1:09
